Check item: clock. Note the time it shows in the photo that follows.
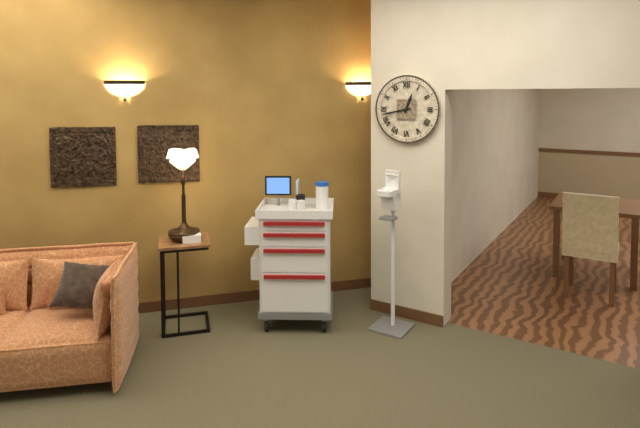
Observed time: 12:43
